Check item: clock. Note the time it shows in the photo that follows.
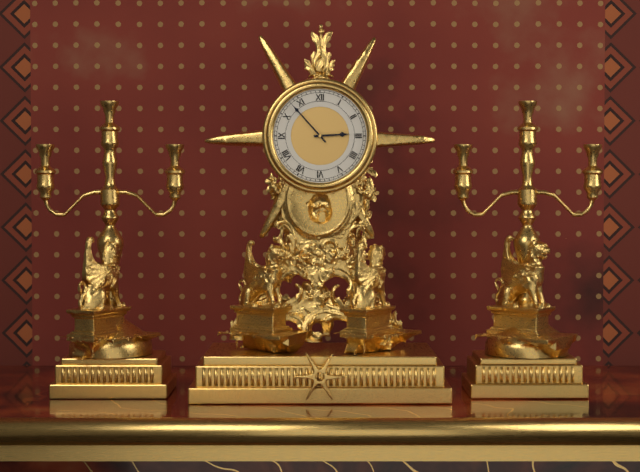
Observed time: 2:53
